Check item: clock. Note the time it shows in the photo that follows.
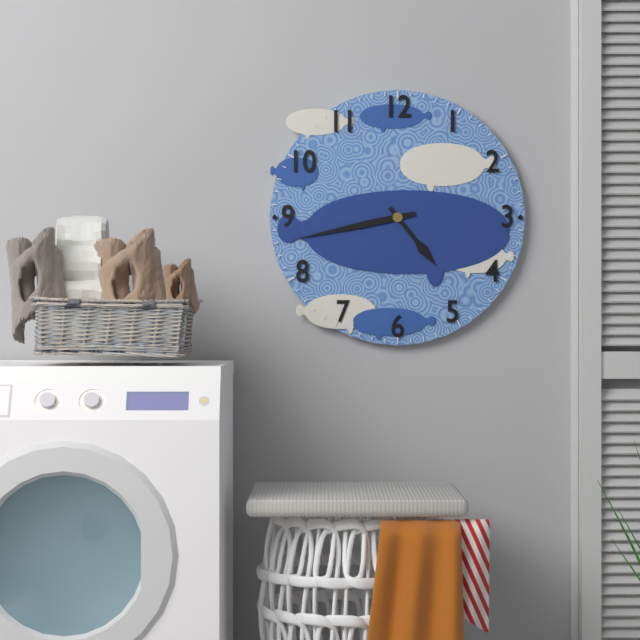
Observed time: 4:43
